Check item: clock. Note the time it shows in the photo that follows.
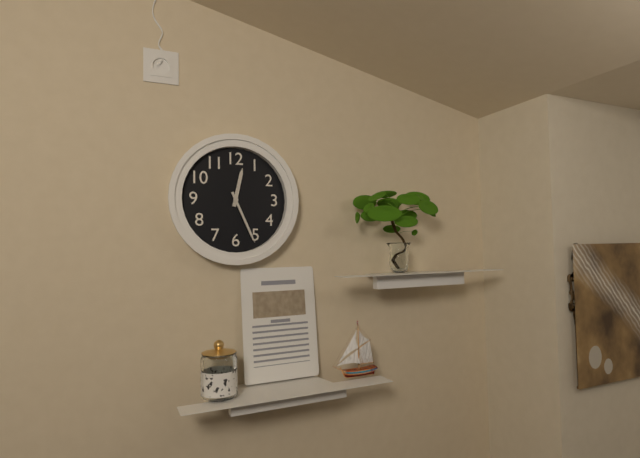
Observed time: 12:26
